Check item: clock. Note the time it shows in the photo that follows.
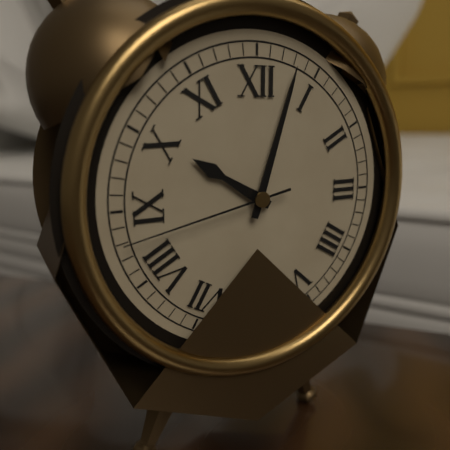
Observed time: 10:03:43
